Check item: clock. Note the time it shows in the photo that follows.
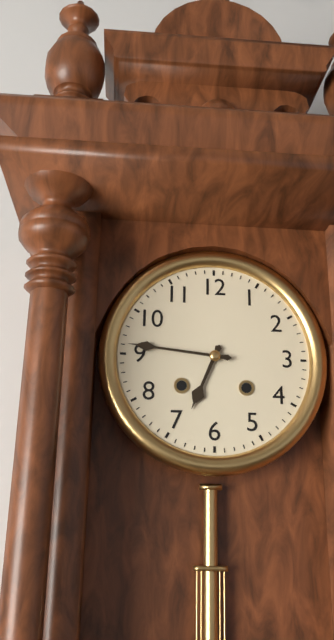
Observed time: 6:46
